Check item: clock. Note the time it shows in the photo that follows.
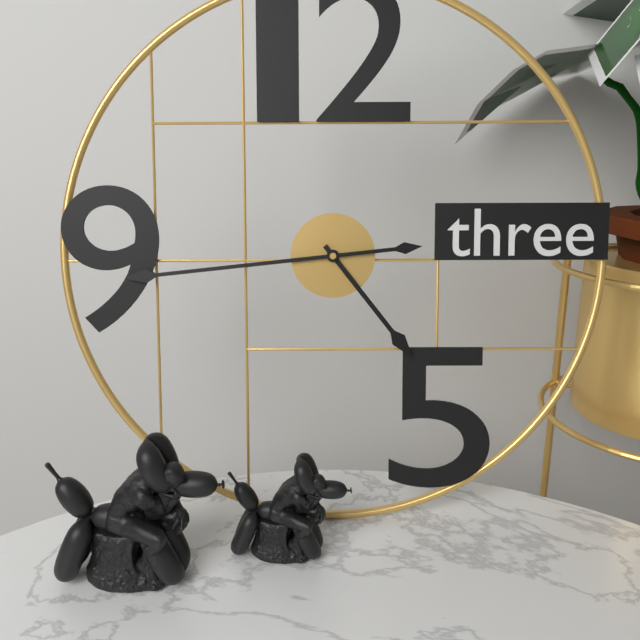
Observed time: 4:44
